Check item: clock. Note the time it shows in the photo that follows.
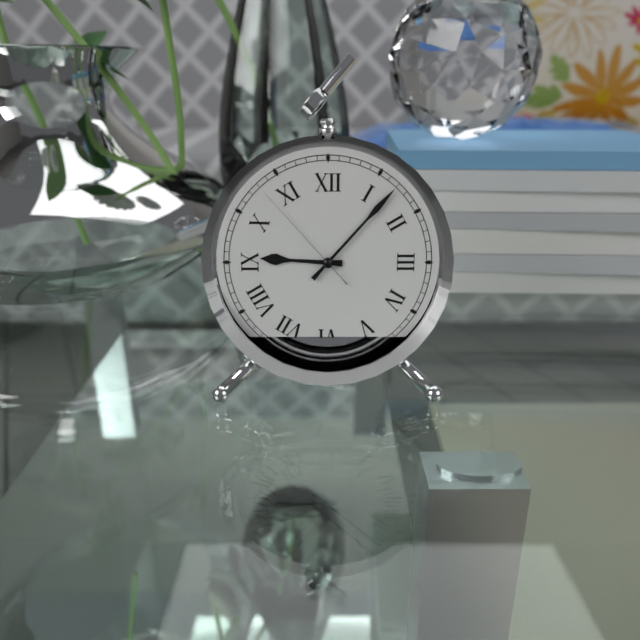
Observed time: 9:07:53
